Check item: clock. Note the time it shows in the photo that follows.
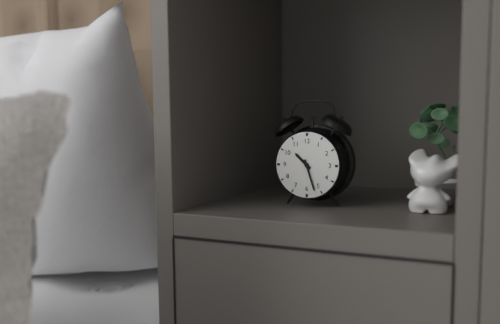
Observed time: 10:27
